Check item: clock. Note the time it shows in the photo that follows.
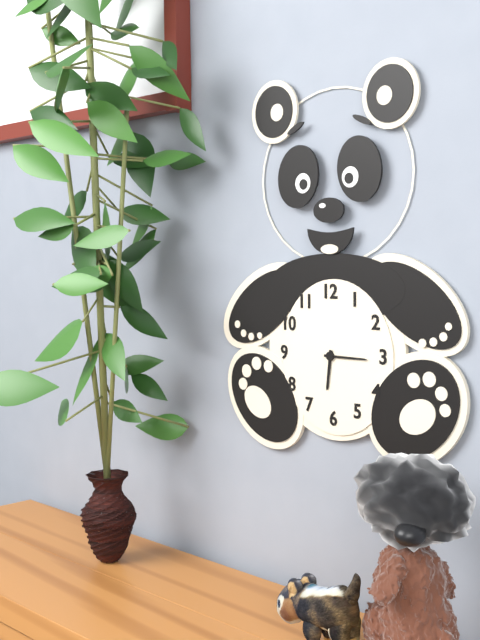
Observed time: 6:15
